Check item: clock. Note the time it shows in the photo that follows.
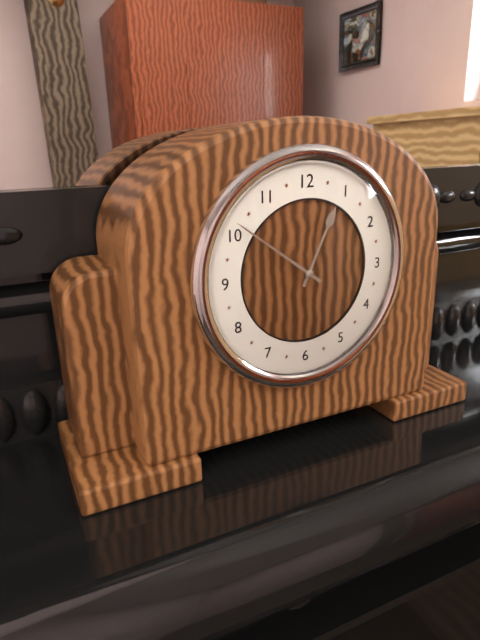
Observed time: 12:51
